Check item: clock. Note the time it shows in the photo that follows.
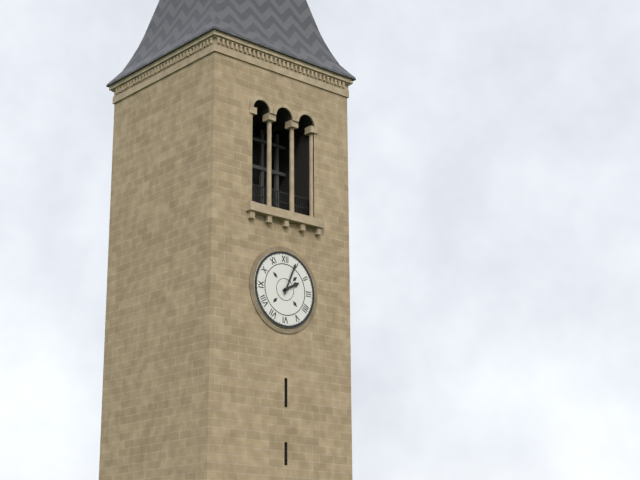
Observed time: 2:04
